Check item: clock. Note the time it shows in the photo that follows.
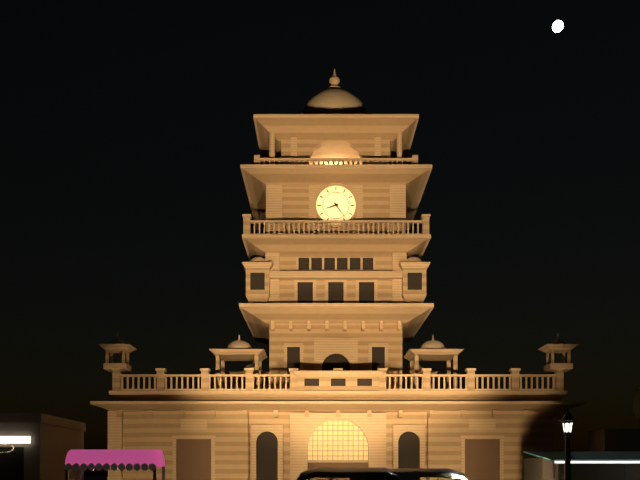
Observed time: 8:24
